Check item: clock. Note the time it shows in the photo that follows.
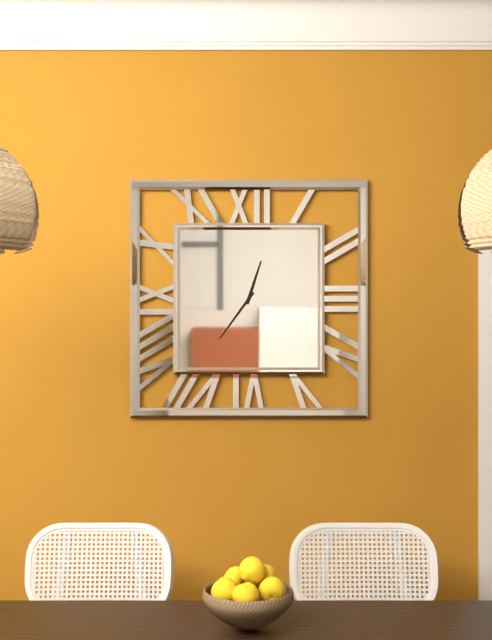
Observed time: 12:36
